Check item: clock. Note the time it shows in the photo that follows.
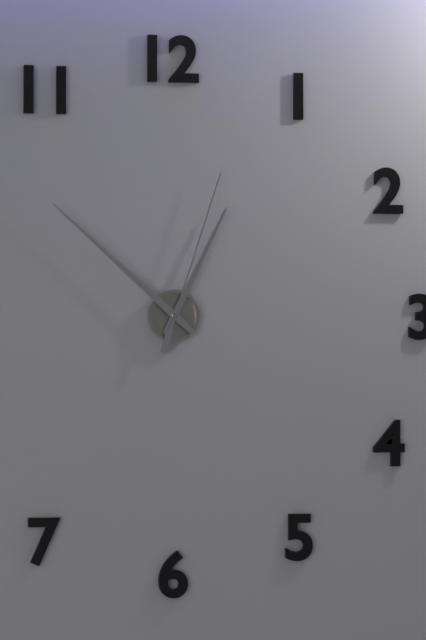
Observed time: 12:52:03
